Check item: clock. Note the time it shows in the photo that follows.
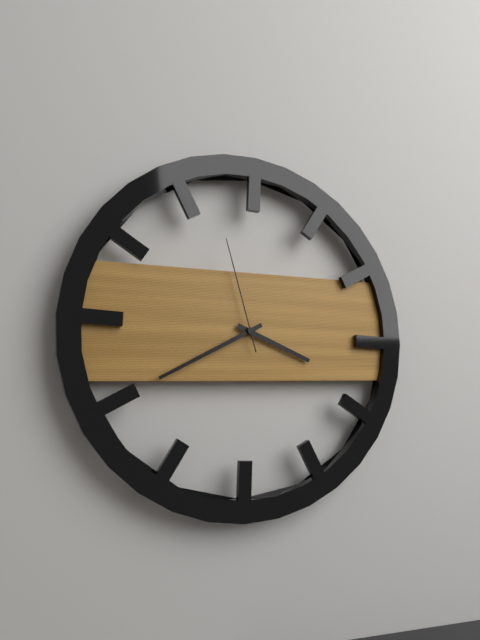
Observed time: 3:40:57
